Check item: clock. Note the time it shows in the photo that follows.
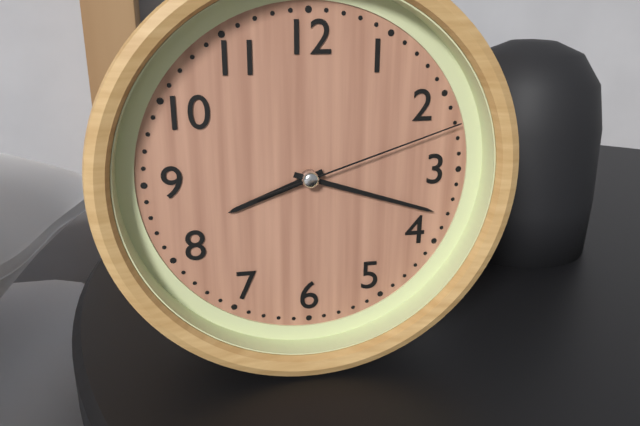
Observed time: 8:18:12
